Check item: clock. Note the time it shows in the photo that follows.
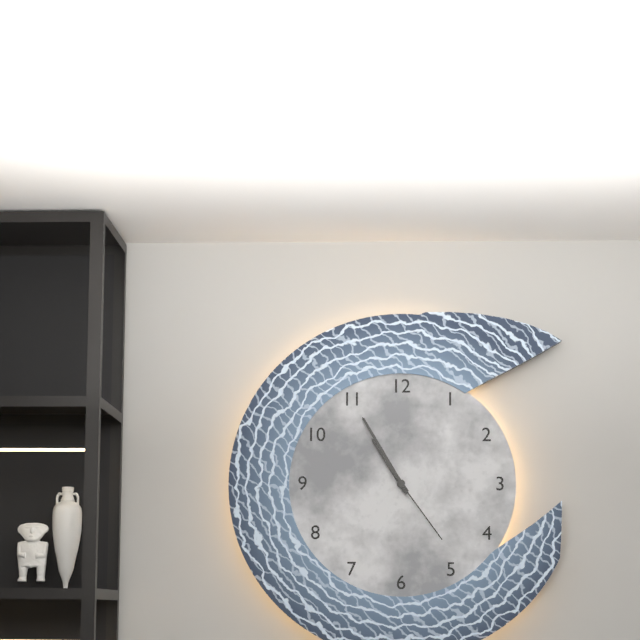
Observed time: 10:55:24
